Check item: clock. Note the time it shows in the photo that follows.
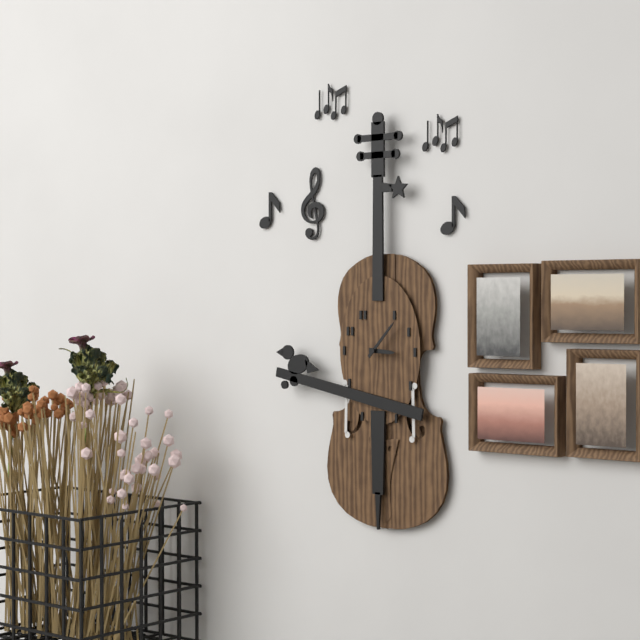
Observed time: 3:07
